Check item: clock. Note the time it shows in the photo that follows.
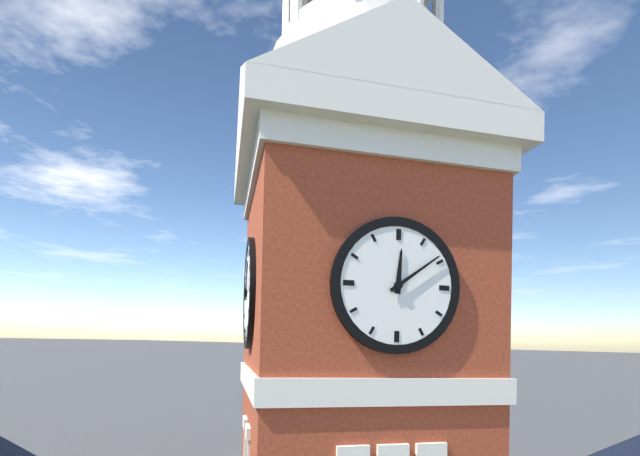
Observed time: 12:09
